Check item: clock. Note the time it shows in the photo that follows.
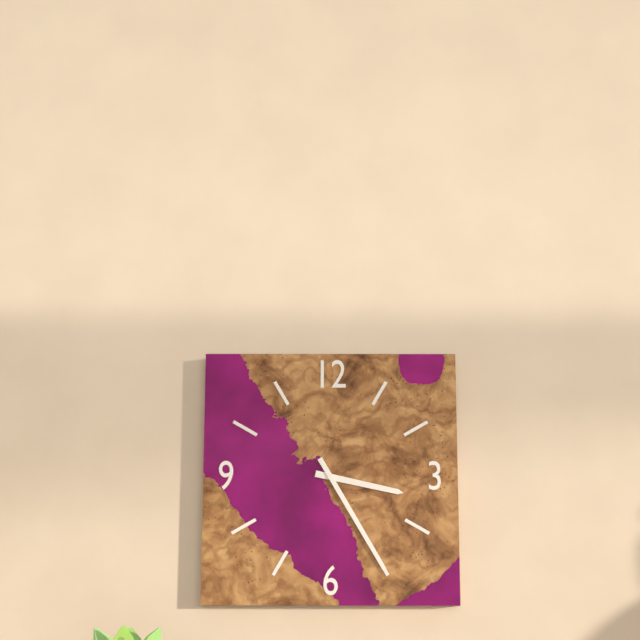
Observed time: 3:25
